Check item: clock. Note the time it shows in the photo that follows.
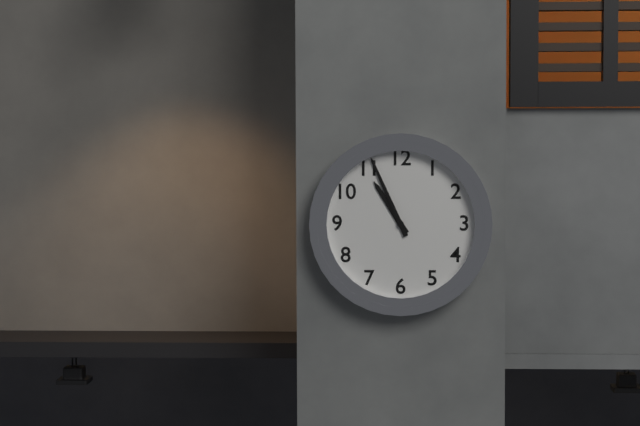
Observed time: 10:56
